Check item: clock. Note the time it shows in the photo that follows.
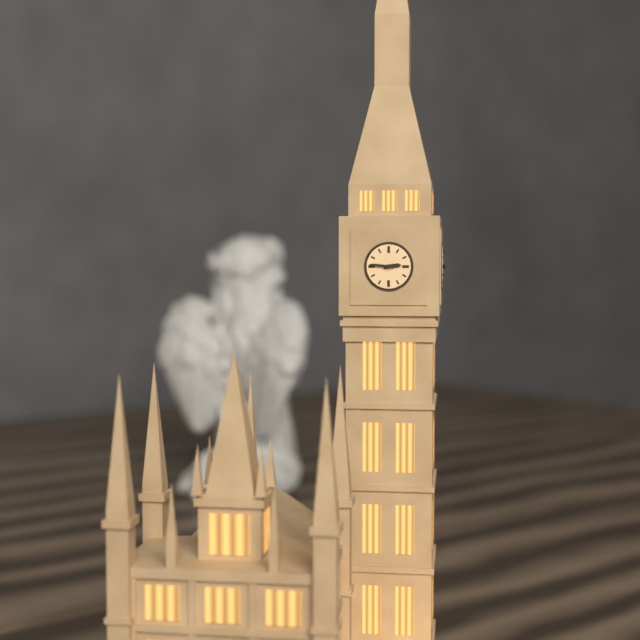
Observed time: 2:46
